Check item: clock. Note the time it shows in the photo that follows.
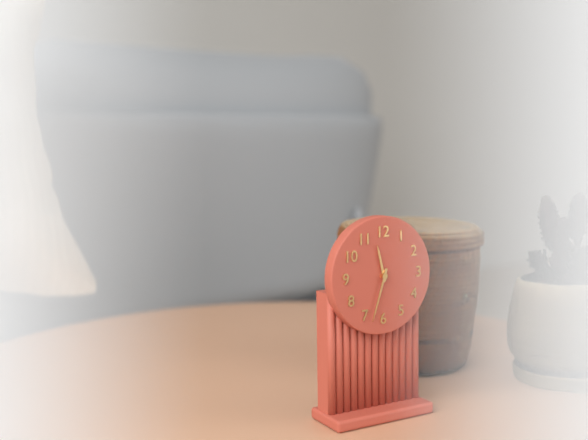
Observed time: 11:33
